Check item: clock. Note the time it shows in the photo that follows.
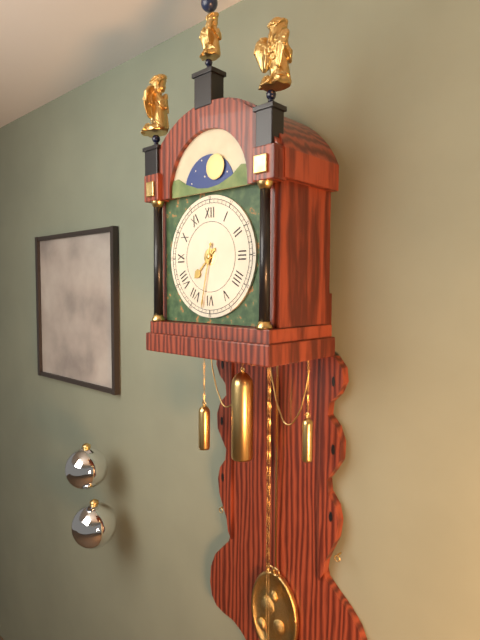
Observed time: 7:32
